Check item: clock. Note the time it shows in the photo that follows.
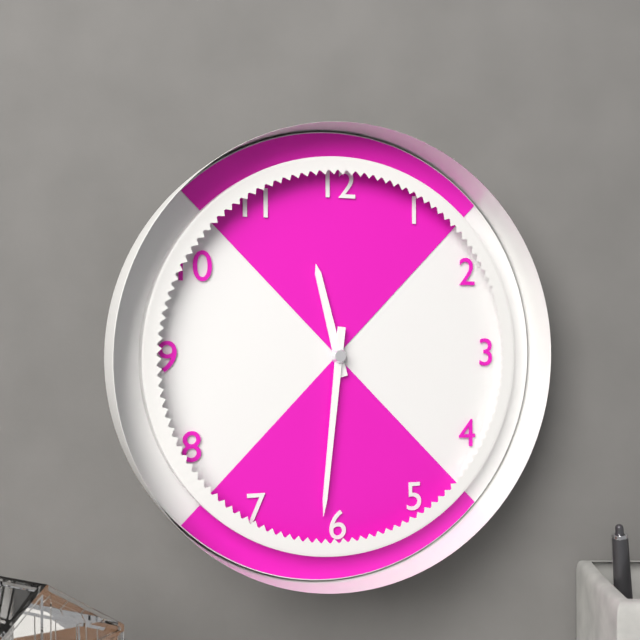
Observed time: 11:31
